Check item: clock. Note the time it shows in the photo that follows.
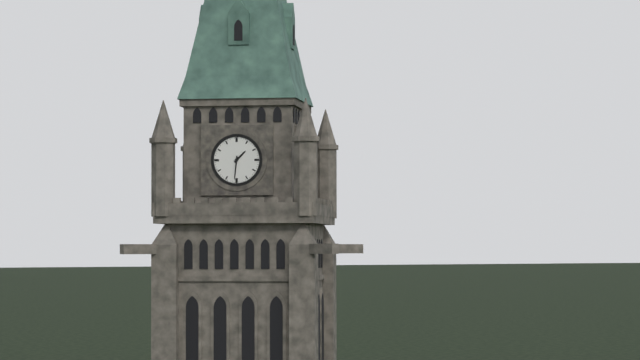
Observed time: 1:31
